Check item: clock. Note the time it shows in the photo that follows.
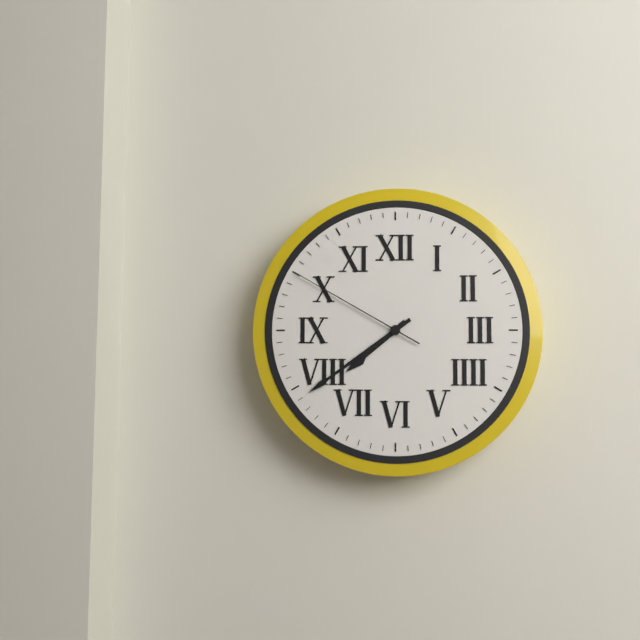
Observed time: 7:39:50
